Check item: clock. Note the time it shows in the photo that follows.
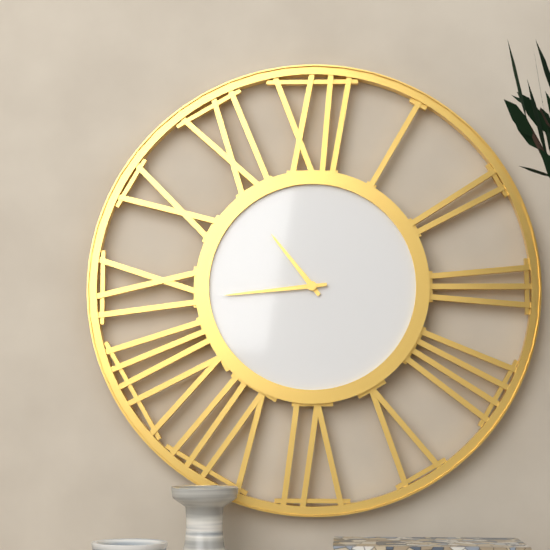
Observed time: 10:44
